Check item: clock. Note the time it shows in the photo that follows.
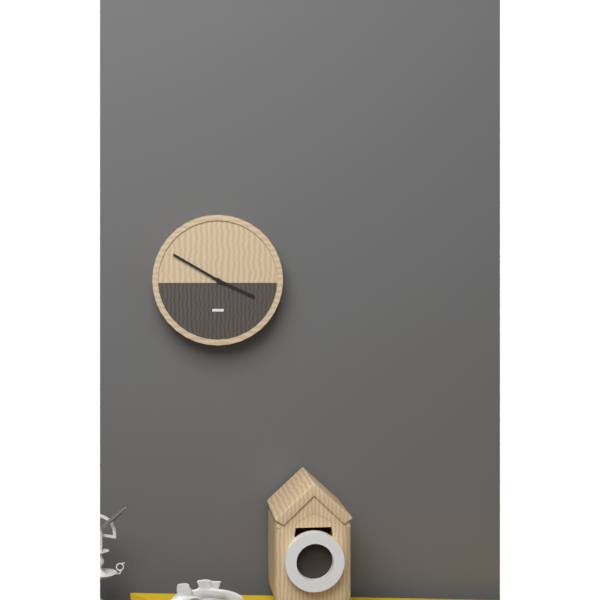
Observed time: 3:50
